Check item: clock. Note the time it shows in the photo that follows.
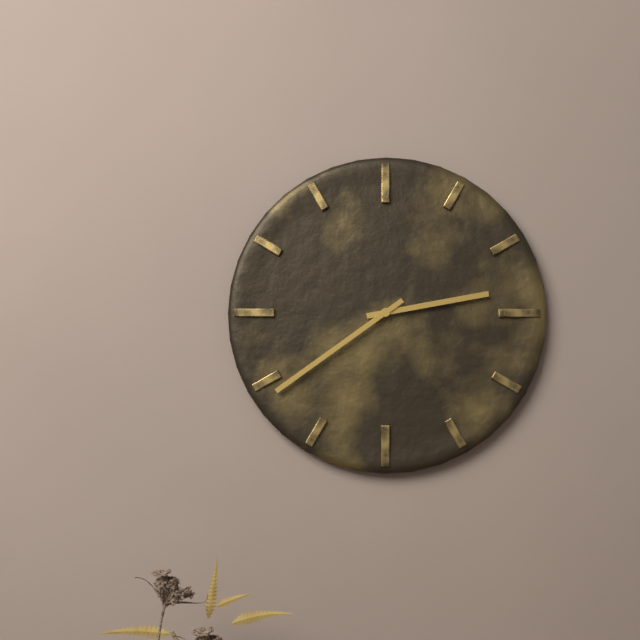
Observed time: 2:39
